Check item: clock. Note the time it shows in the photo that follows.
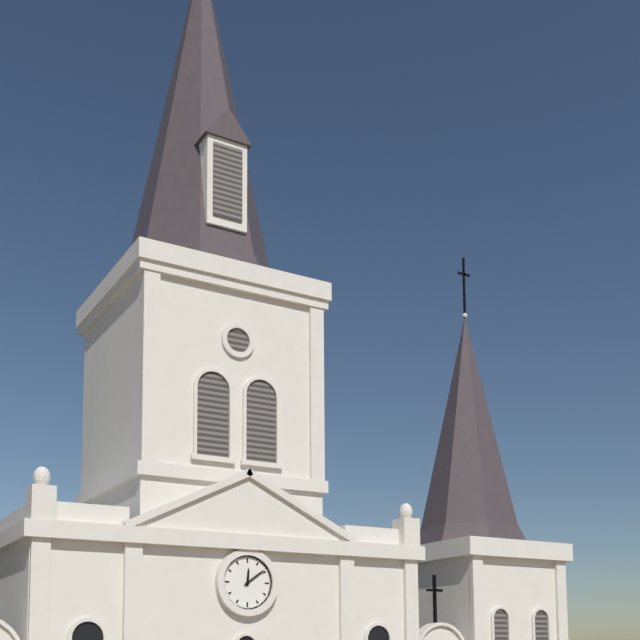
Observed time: 12:09
